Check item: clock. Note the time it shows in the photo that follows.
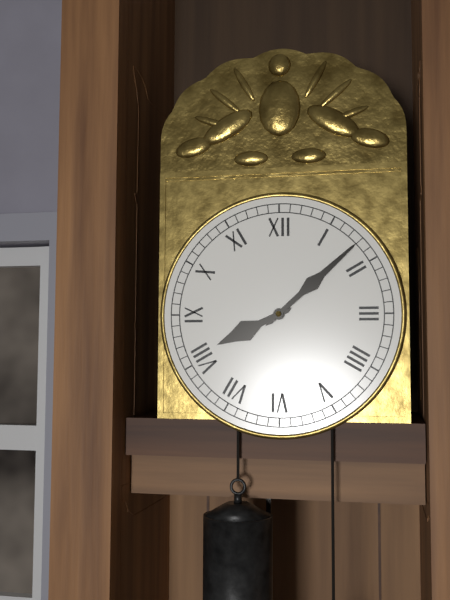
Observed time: 8:08
